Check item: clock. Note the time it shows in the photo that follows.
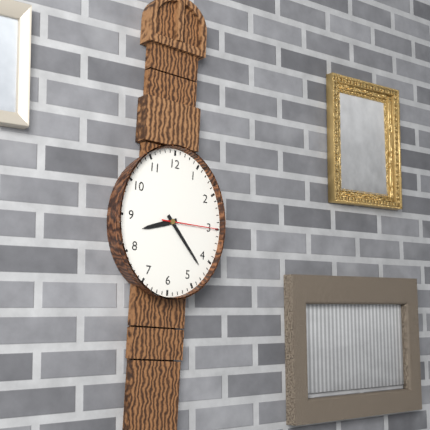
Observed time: 8:23:15
